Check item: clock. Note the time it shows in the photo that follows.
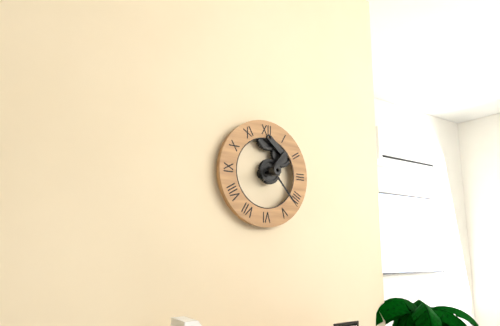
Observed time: 1:23
